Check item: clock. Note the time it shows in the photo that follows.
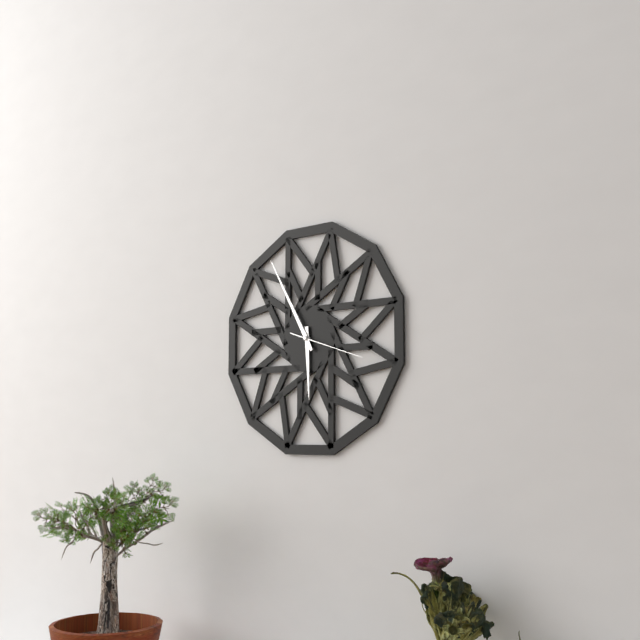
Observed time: 5:55:18
